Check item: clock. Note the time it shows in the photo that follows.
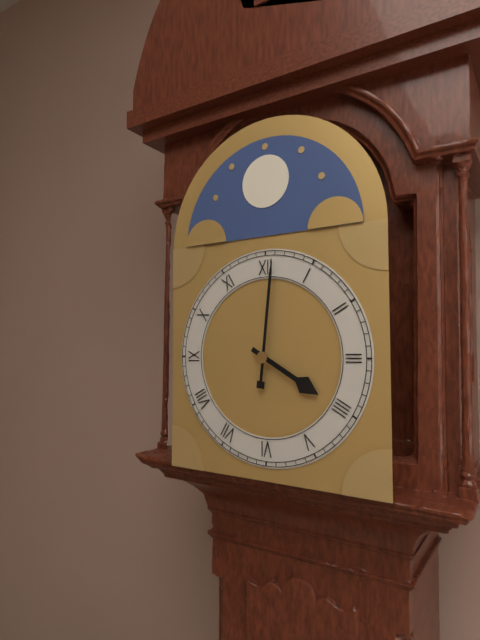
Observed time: 4:01
